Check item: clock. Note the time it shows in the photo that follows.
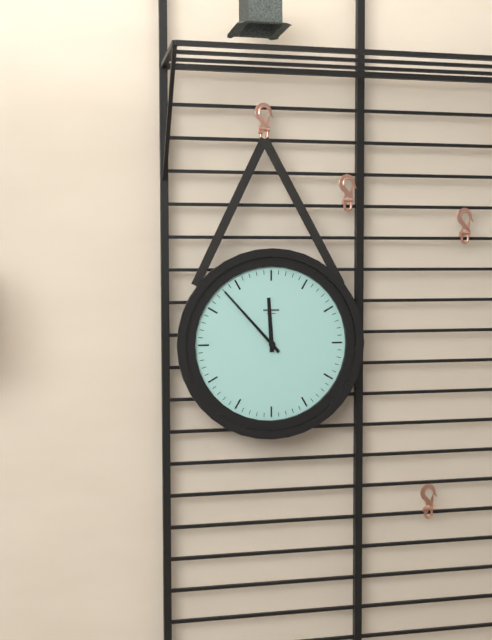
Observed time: 11:53
